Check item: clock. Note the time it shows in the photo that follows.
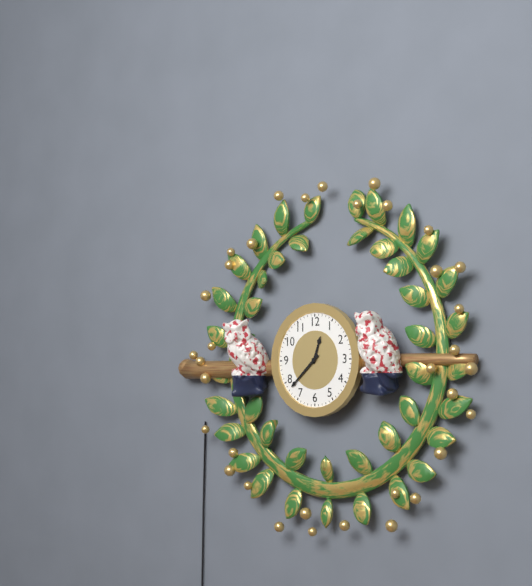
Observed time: 12:38
